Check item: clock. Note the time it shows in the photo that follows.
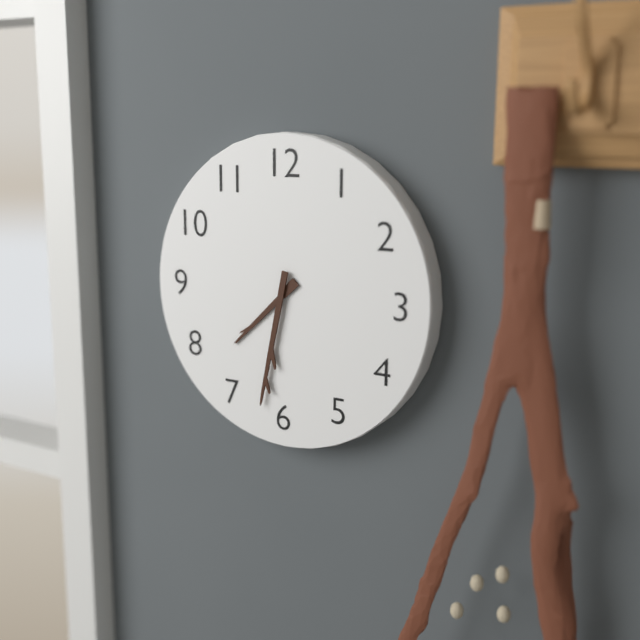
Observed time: 7:32
